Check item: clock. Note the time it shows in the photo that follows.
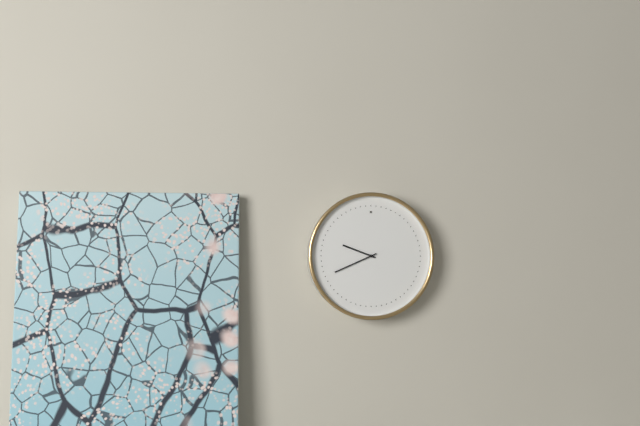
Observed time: 9:41
